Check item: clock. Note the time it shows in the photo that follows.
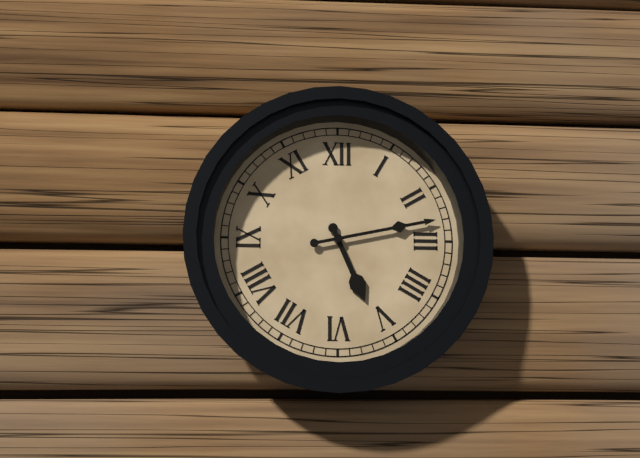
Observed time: 5:13
